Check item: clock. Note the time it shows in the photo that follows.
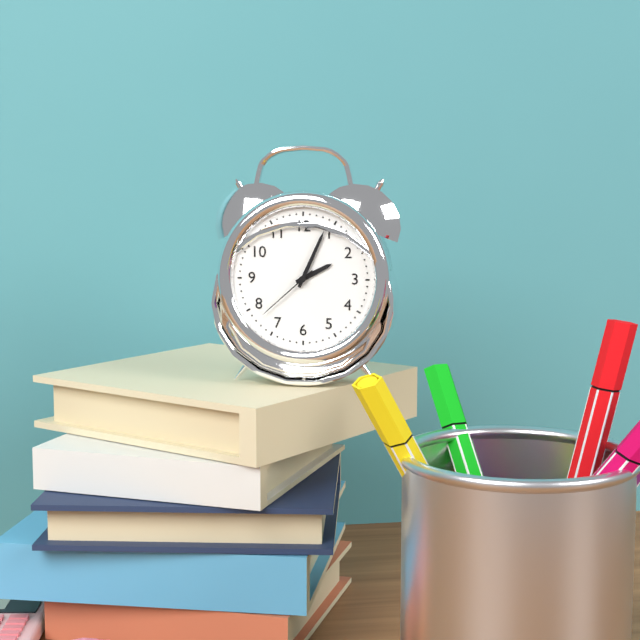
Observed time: 2:04:38
